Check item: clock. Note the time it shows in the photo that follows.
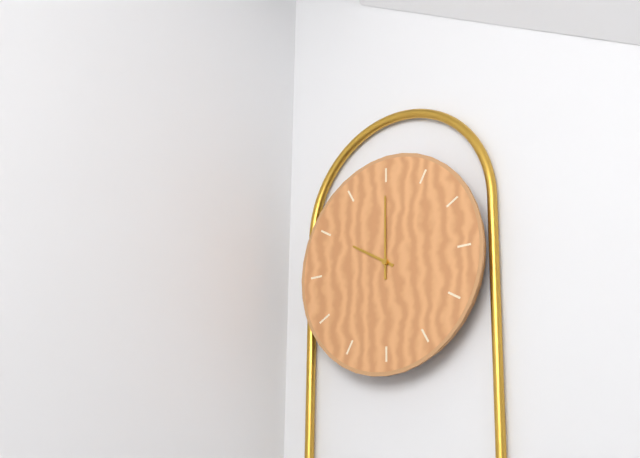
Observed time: 10:00
